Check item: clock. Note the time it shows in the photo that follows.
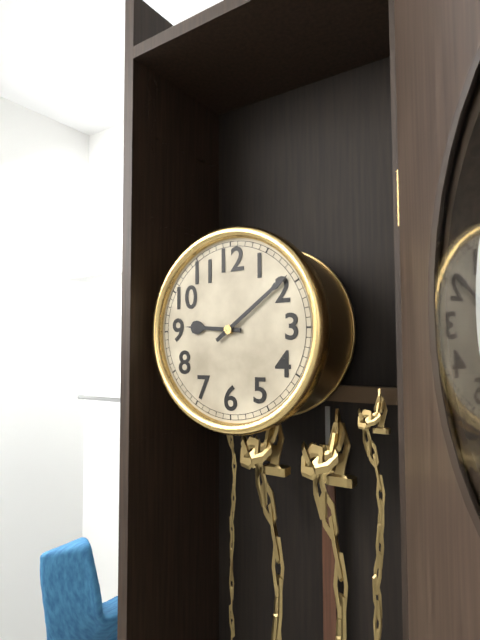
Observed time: 9:09
